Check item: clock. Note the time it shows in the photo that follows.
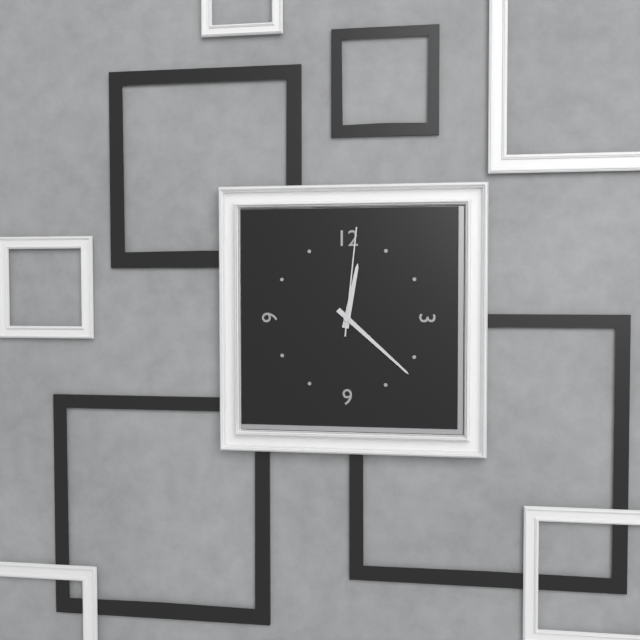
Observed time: 12:22:01
